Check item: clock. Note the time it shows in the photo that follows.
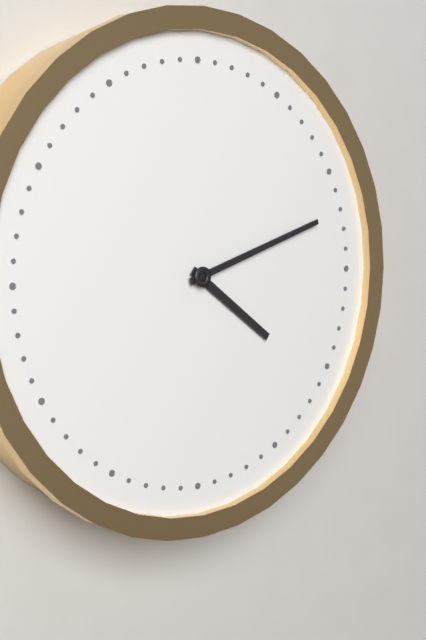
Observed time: 4:12
